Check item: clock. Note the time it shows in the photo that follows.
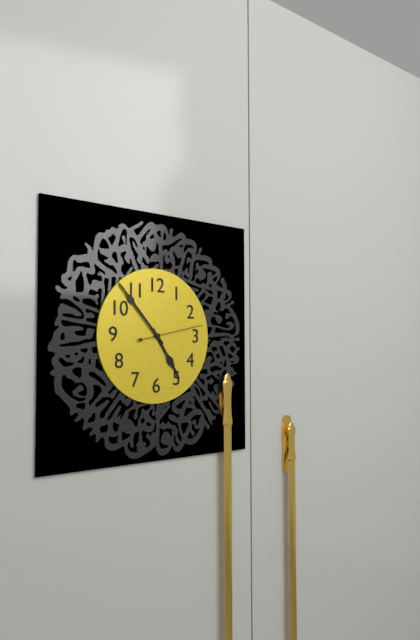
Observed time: 4:53:13
